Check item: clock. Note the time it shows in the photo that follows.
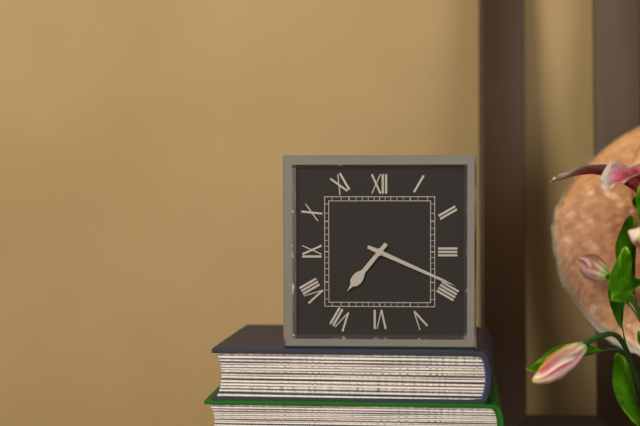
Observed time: 7:19
